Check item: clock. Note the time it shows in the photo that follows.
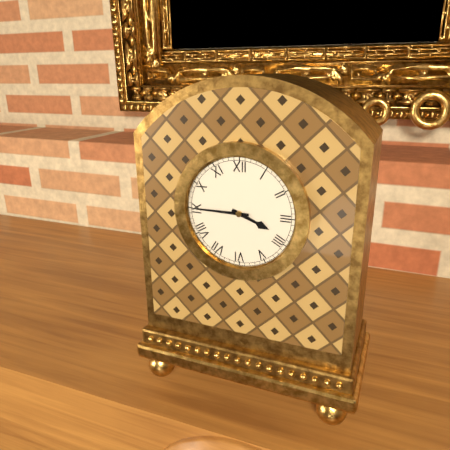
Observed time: 3:45
